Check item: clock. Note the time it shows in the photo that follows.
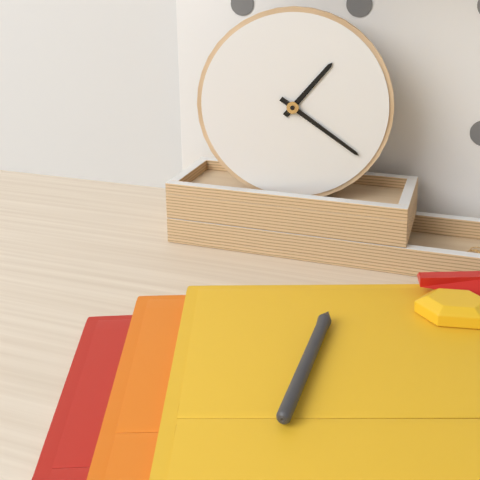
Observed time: 1:21
